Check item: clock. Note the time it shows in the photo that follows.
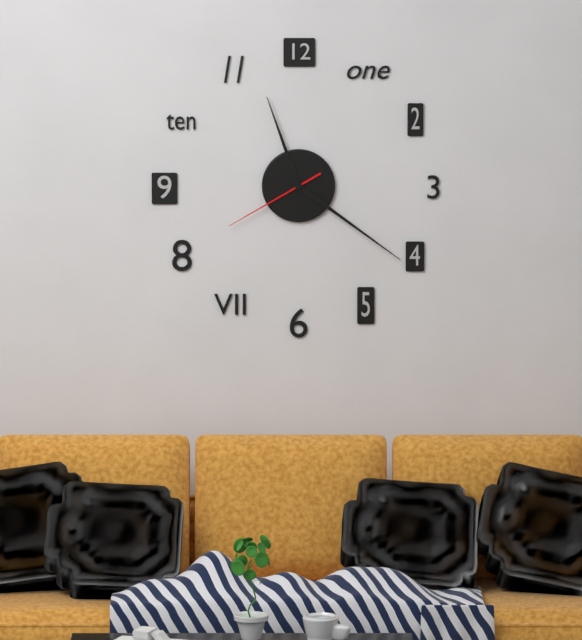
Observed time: 11:21:40
